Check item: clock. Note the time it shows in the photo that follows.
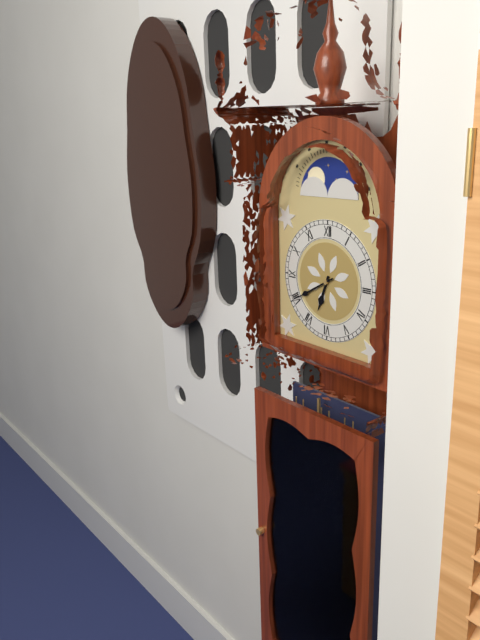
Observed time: 6:40
